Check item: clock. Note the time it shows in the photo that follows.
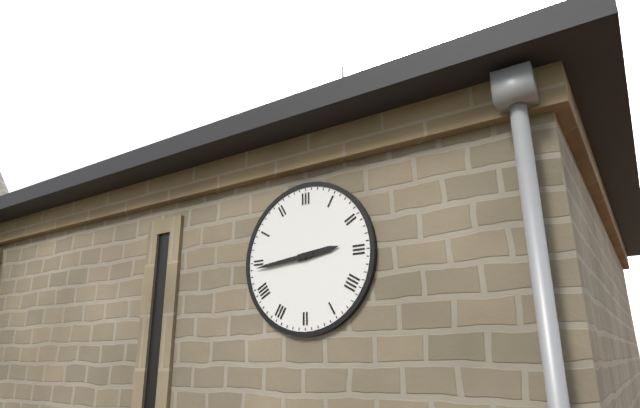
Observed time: 2:44
